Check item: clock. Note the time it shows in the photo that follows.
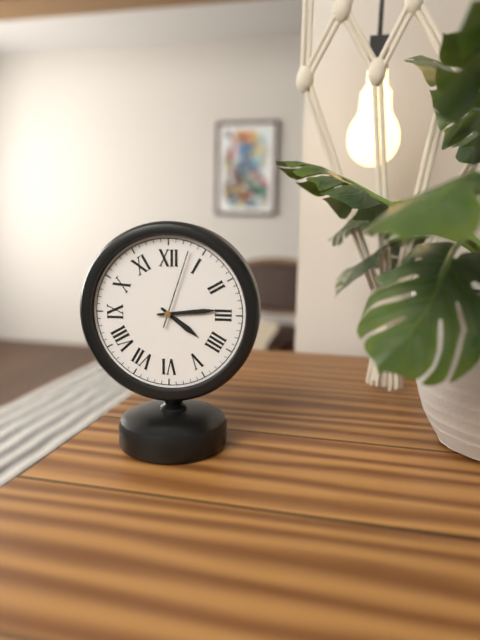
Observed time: 4:14:03
